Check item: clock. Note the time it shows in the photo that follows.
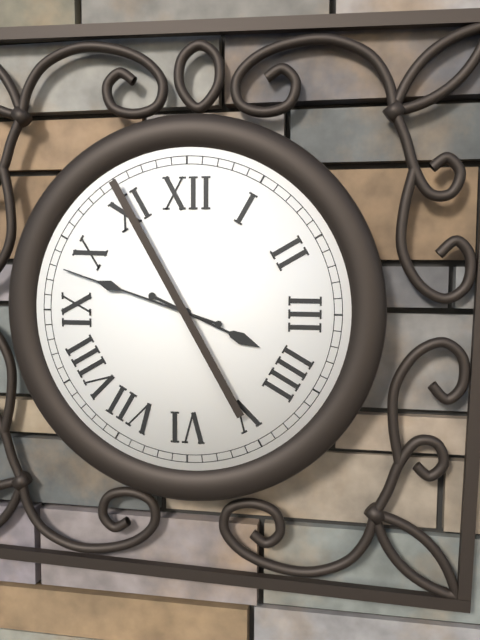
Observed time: 3:48
